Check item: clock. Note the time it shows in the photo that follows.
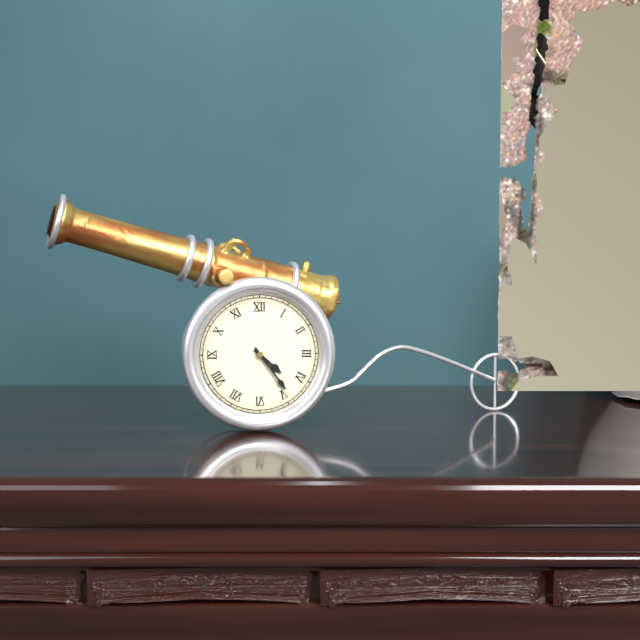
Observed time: 4:24
